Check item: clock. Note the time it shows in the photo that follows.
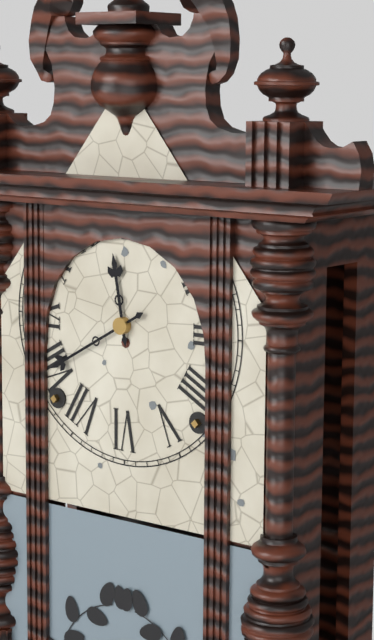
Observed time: 11:40
